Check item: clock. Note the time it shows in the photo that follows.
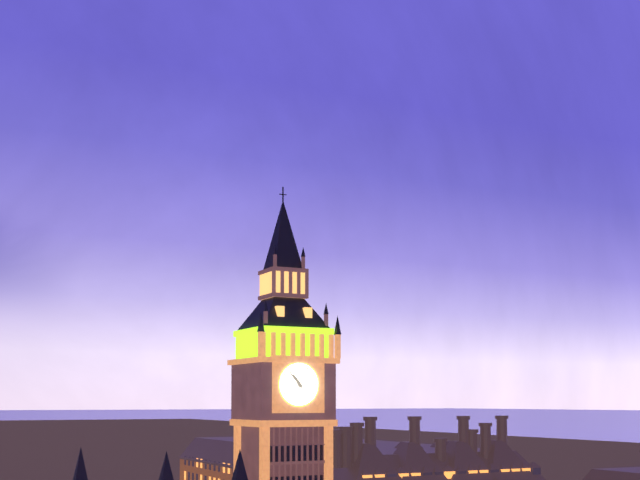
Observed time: 10:53
